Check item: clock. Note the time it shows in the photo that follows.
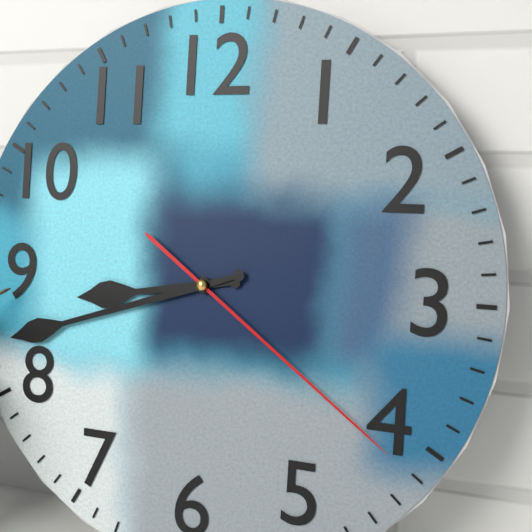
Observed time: 8:42:21
